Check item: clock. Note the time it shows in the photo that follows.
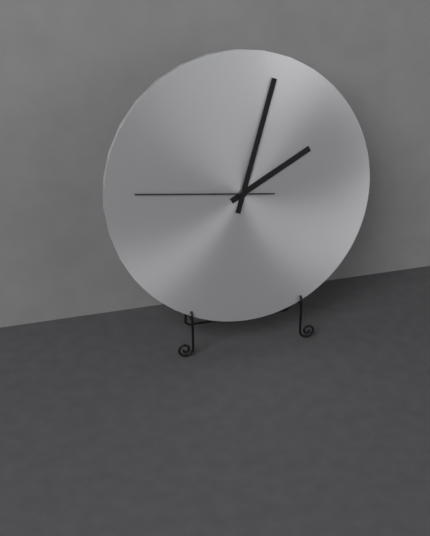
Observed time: 2:03:46
